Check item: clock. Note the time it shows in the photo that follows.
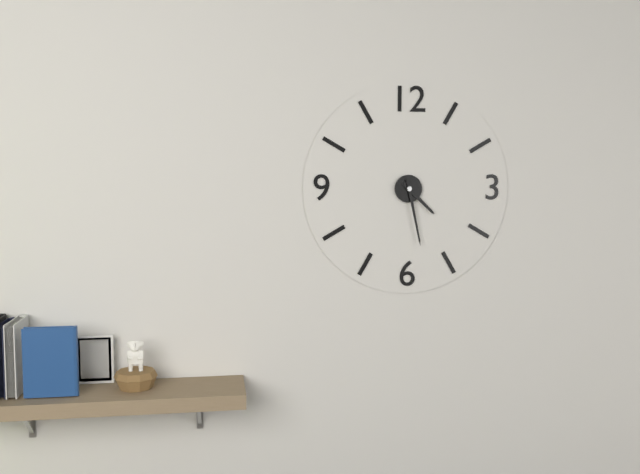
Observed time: 4:28
